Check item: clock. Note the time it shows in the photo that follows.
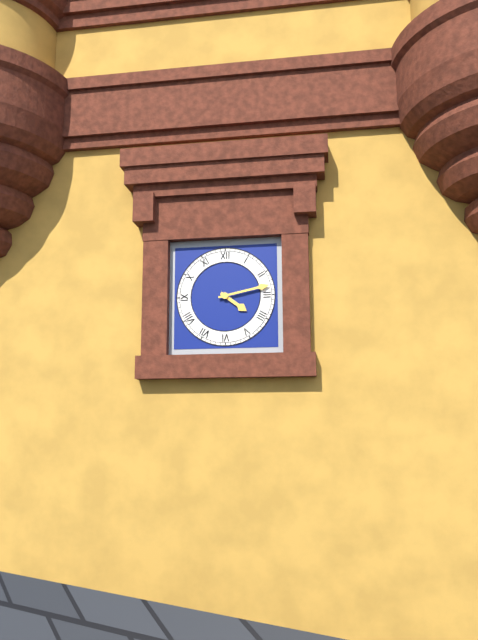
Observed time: 4:13
